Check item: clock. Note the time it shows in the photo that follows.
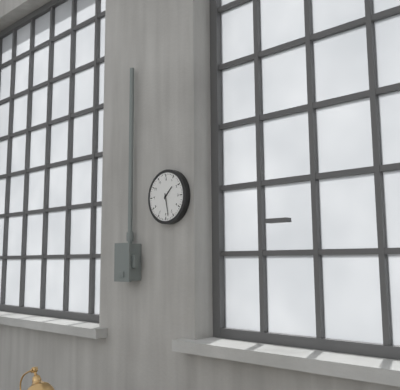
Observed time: 1:28
